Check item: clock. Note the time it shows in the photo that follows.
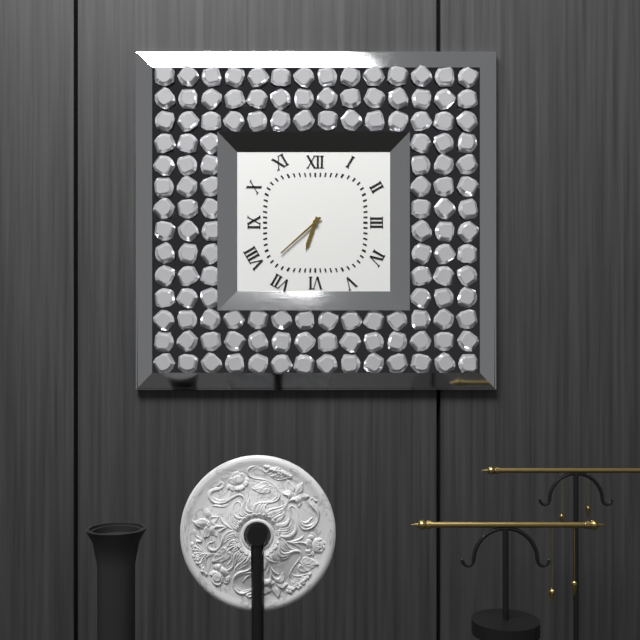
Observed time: 6:38
